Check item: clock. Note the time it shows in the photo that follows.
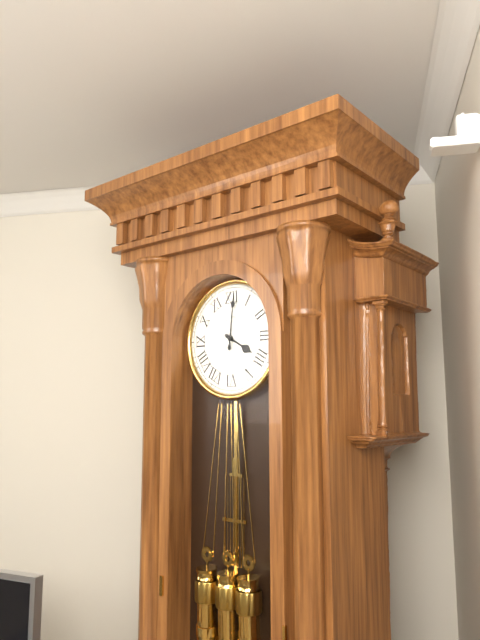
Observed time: 4:01
